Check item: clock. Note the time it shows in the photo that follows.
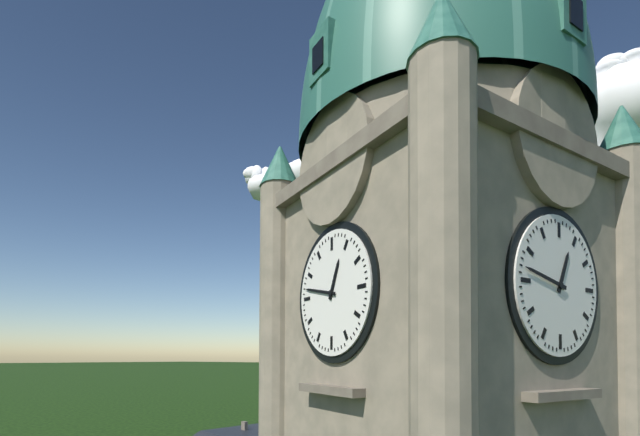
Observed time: 12:47
